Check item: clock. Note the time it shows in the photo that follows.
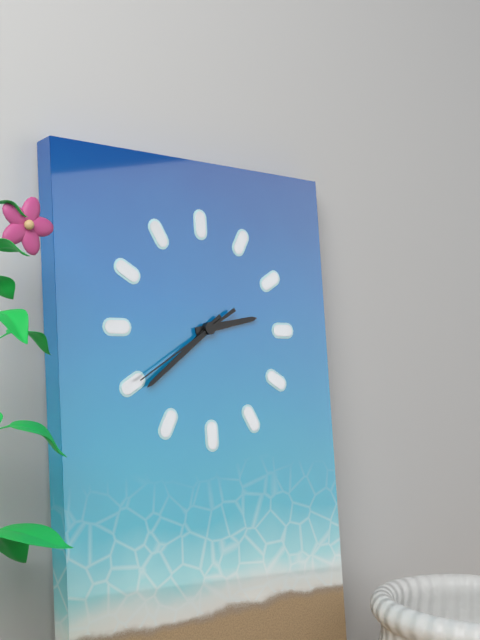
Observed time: 2:39:40
